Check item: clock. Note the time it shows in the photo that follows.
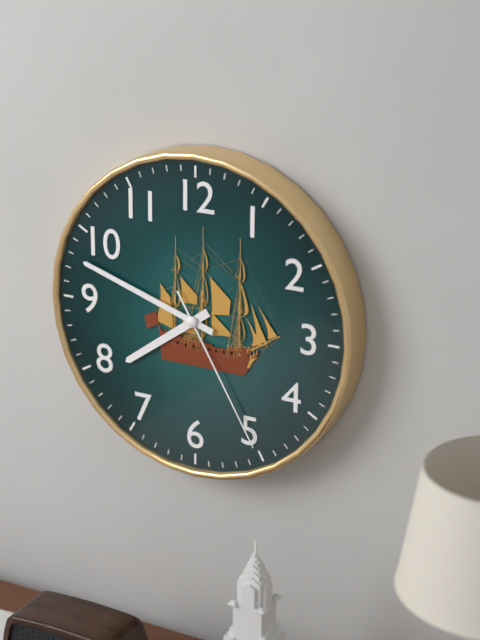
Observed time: 7:48:25
